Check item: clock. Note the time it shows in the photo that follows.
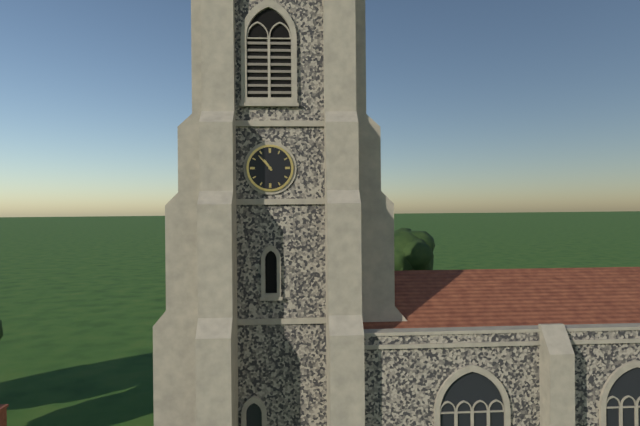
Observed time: 10:53
